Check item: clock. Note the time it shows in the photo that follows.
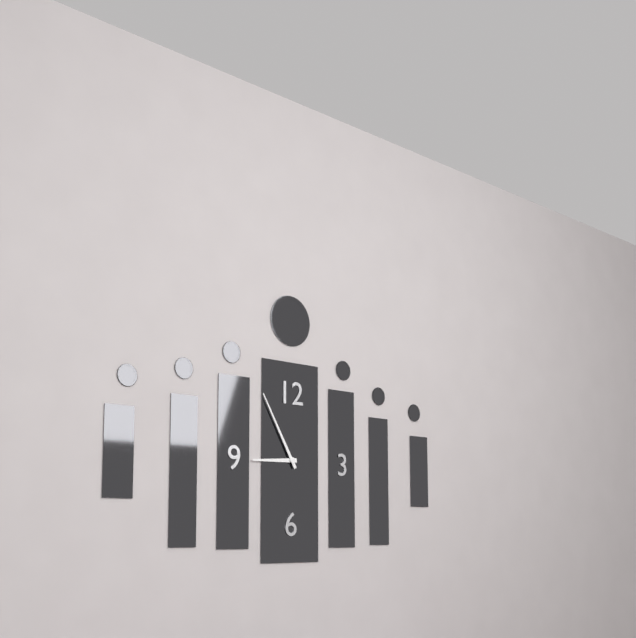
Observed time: 8:55
